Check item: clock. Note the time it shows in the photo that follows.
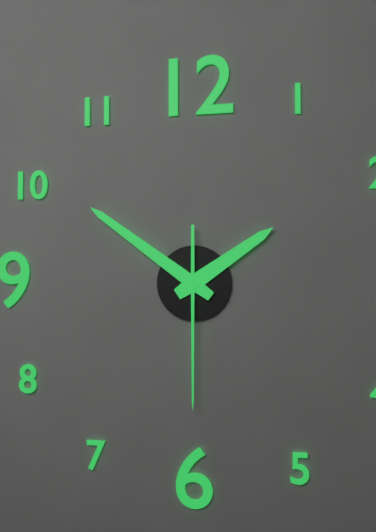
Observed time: 1:51:30
